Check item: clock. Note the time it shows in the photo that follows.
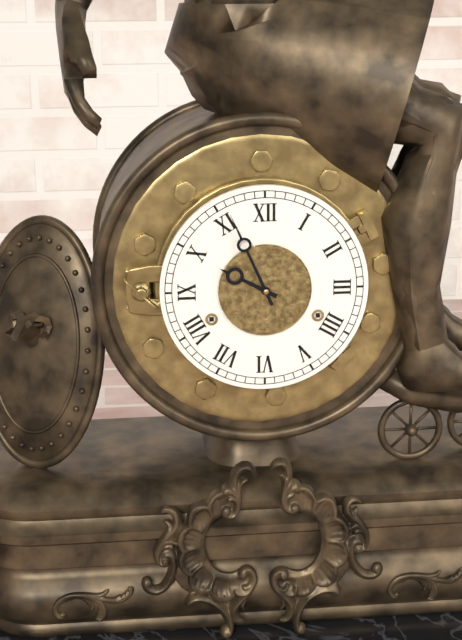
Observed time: 9:56
